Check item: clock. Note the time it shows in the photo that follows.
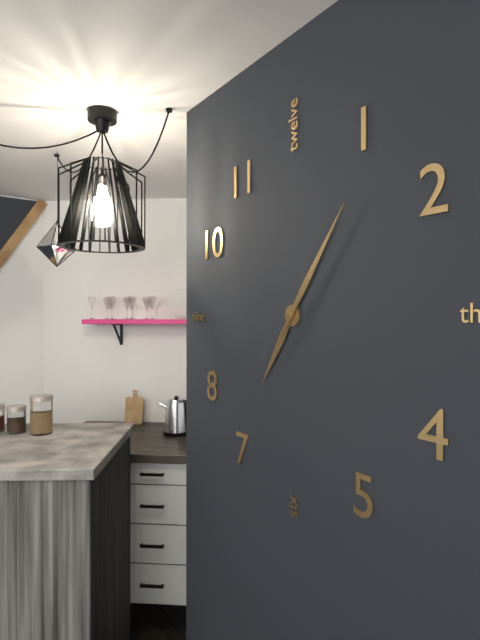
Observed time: 7:06
